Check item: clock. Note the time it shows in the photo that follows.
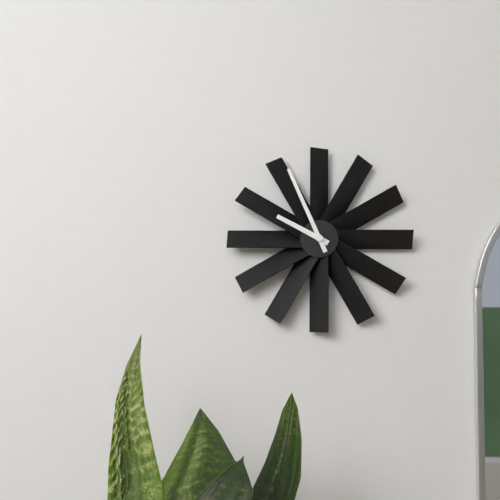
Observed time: 9:56
